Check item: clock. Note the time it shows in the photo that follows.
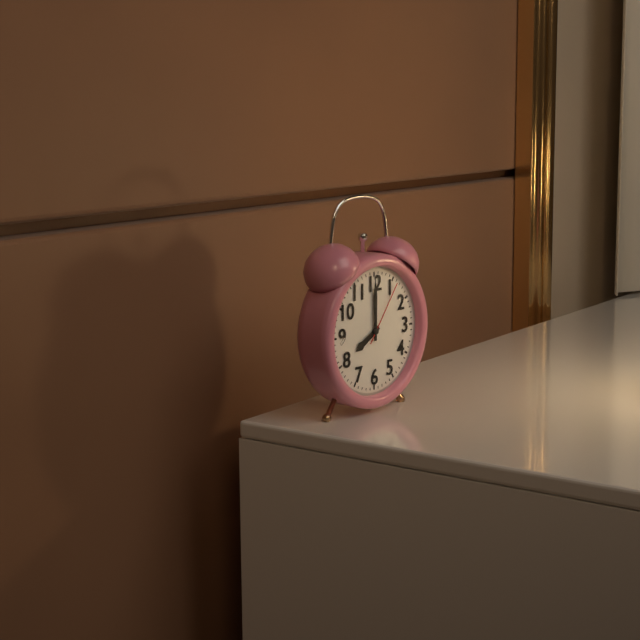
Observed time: 8:00:06
